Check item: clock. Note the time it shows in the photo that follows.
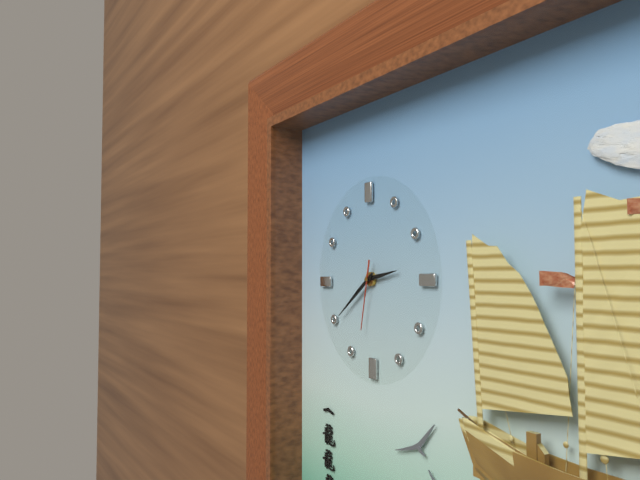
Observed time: 2:39:32
